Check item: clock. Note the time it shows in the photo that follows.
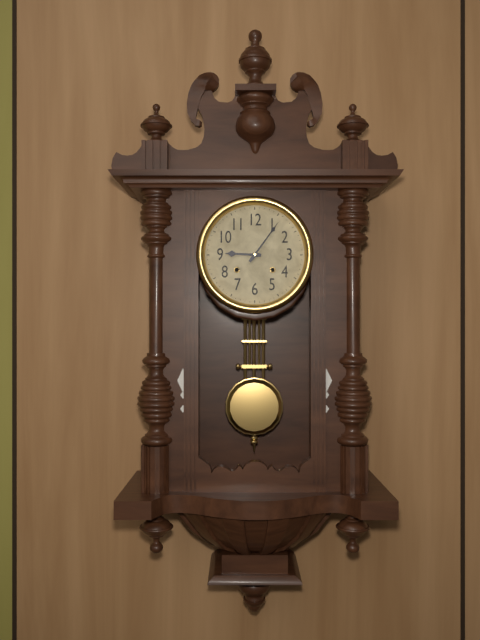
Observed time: 9:06
